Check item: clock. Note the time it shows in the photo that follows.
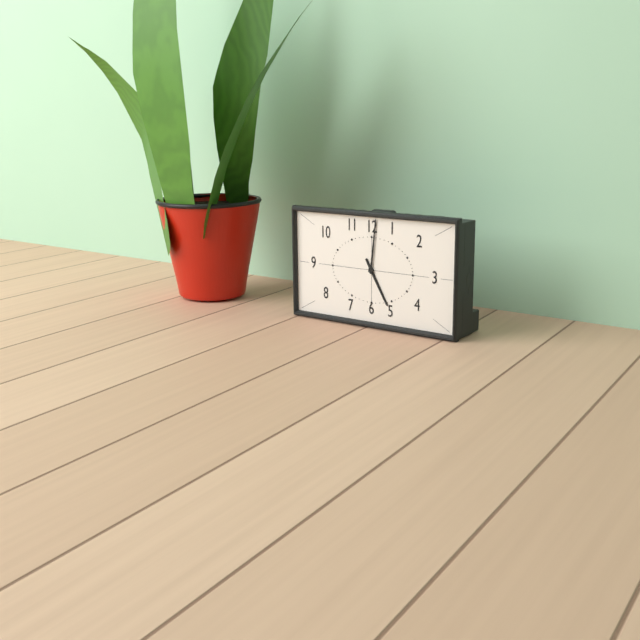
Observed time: 5:01
